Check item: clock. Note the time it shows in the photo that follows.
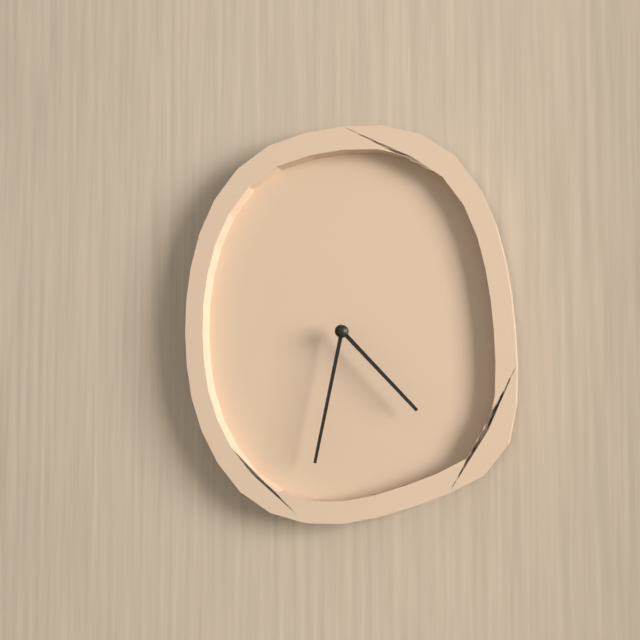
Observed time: 4:32
